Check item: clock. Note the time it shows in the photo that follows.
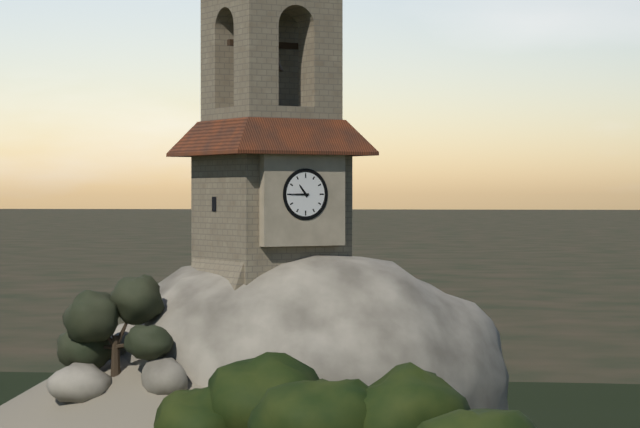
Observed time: 10:45
